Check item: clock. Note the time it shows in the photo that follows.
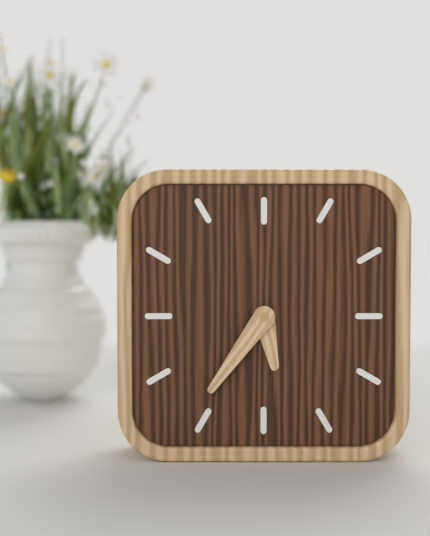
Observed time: 5:36
